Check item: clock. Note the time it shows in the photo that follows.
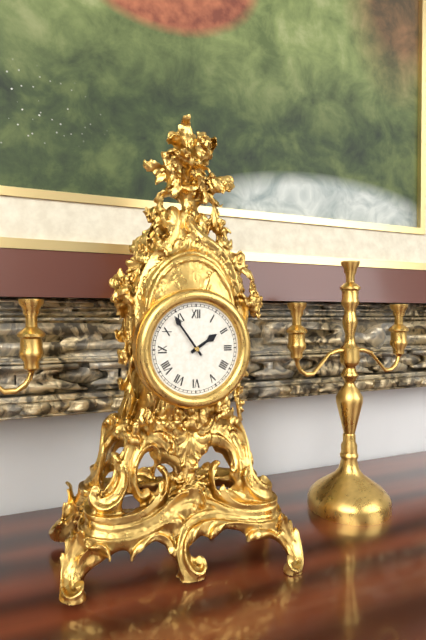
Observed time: 1:54
